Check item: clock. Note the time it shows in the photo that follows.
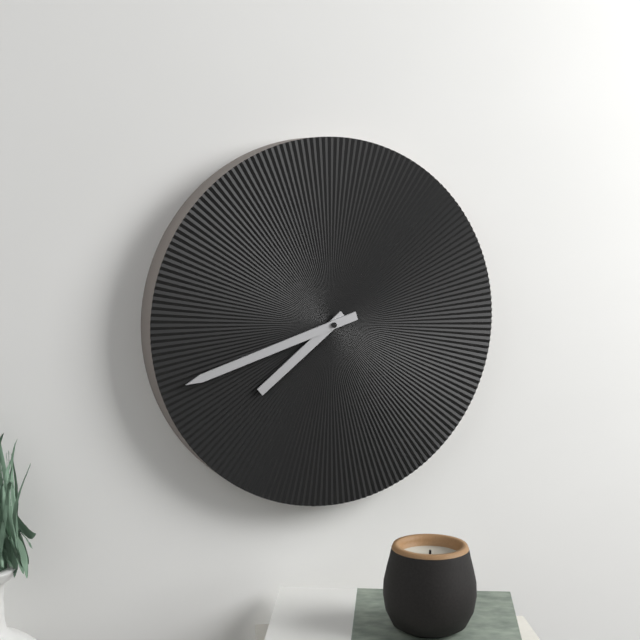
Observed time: 7:42
